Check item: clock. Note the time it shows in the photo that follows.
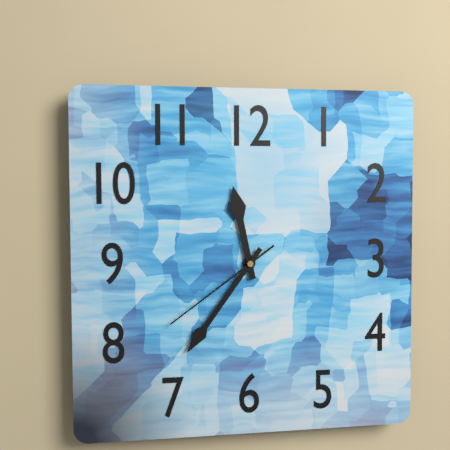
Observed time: 11:36:39
